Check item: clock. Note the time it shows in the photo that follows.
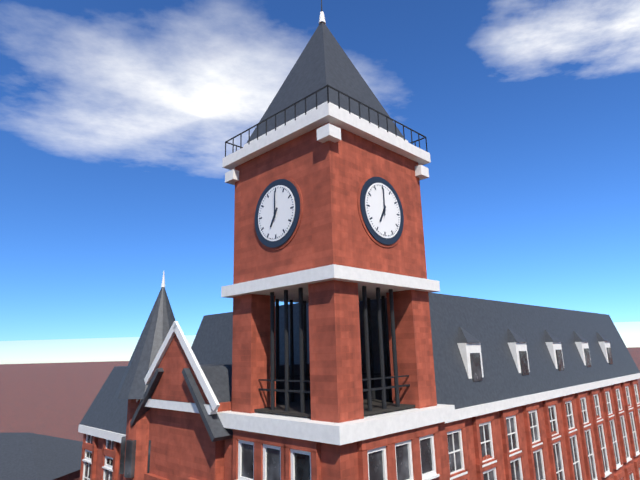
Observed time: 7:00
